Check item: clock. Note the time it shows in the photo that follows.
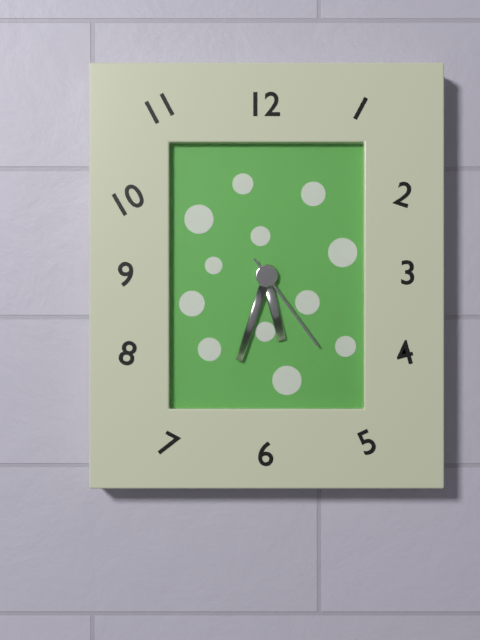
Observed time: 5:33:24
